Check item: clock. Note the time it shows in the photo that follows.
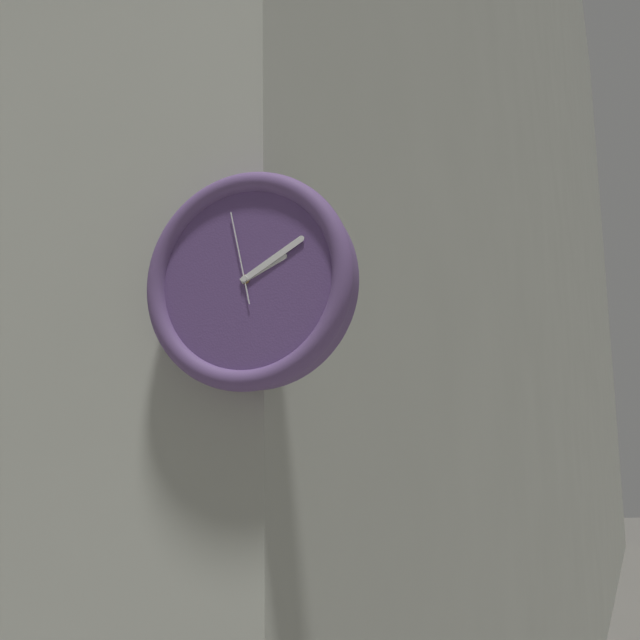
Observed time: 2:10:58
